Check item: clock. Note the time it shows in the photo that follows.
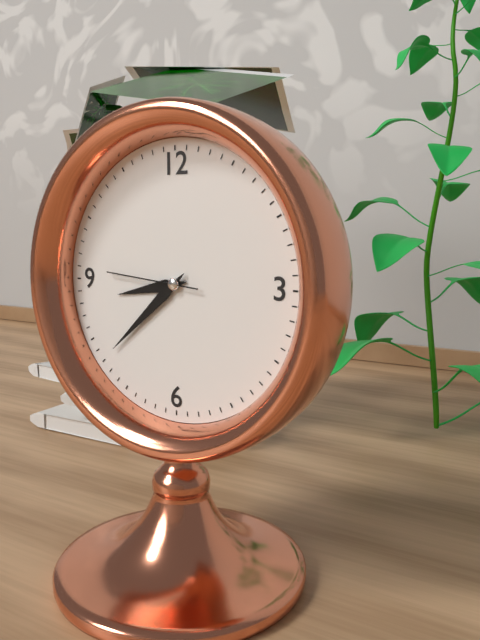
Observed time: 8:38:46
